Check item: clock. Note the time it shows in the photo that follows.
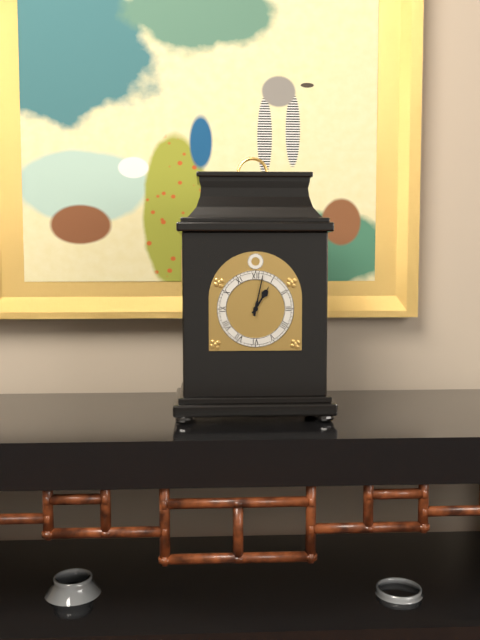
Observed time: 1:02
